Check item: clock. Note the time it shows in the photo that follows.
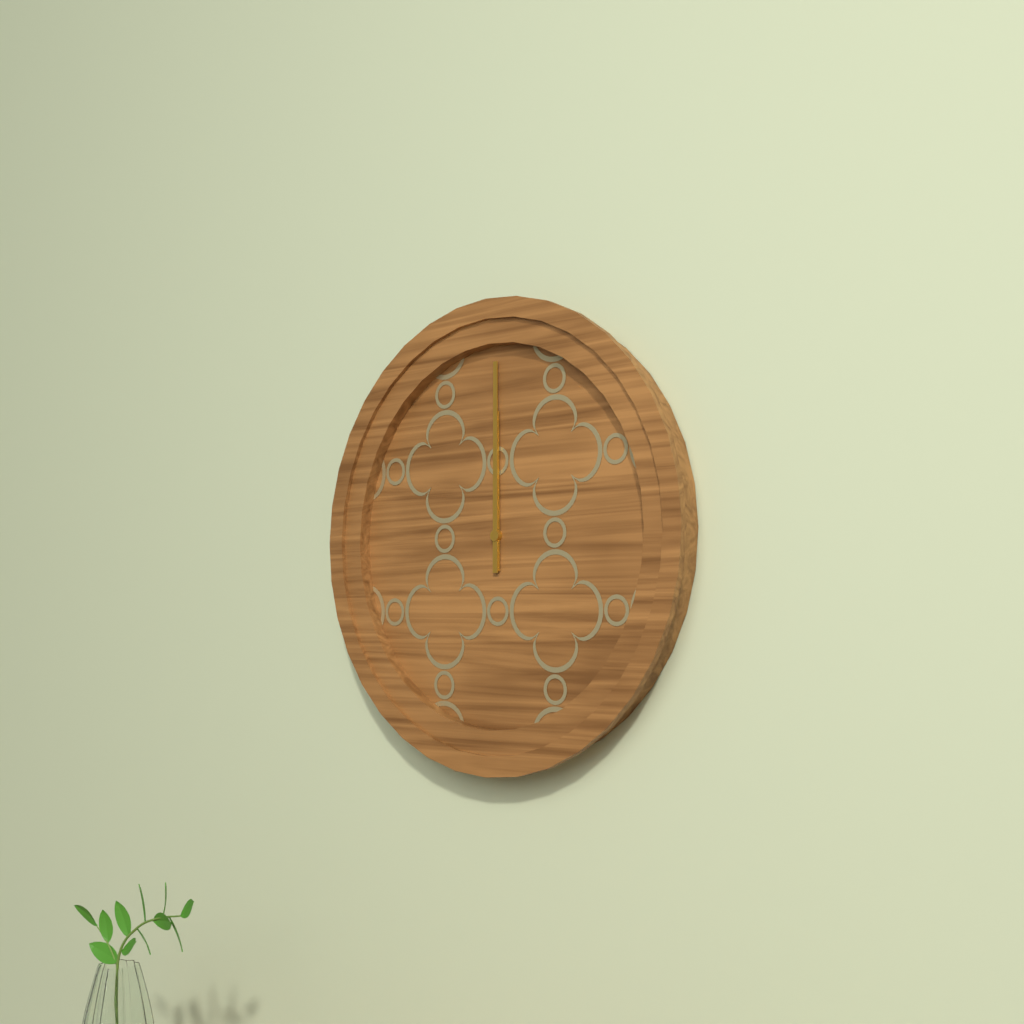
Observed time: 12:00
